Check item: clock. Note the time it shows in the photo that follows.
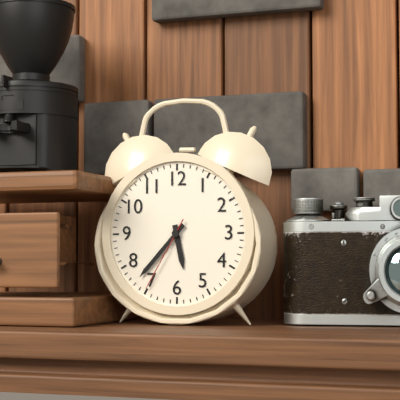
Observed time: 5:37:35
